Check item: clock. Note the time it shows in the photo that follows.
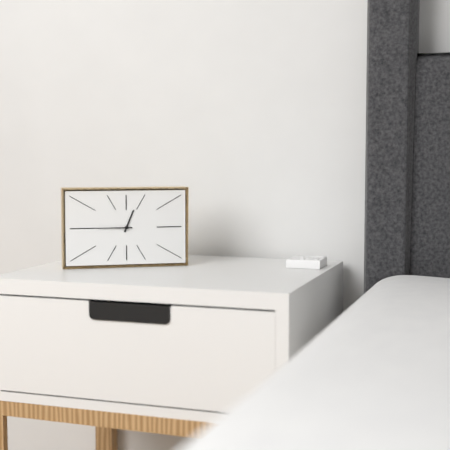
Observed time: 12:45
